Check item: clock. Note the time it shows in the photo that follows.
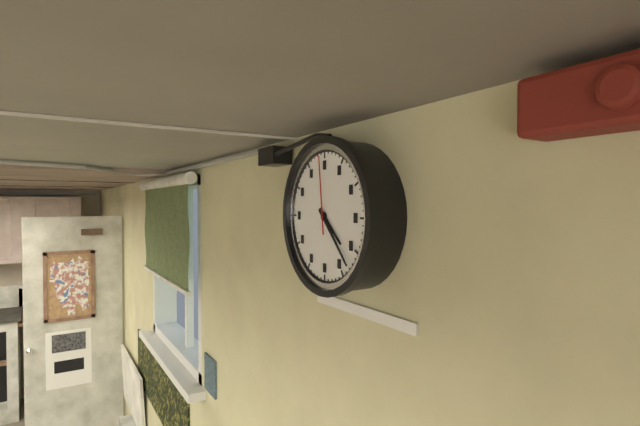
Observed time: 4:23:59
